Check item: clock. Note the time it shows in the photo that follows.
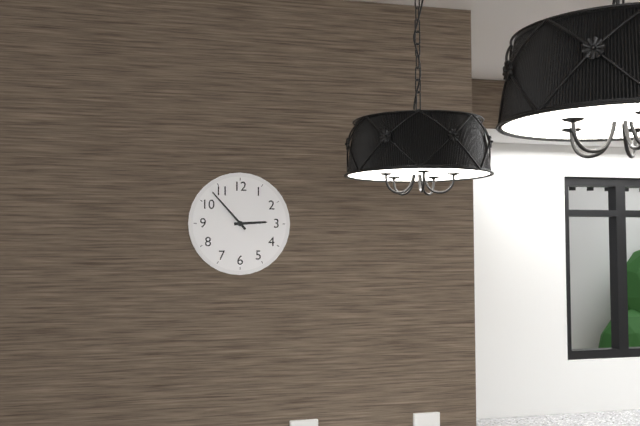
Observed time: 2:53
